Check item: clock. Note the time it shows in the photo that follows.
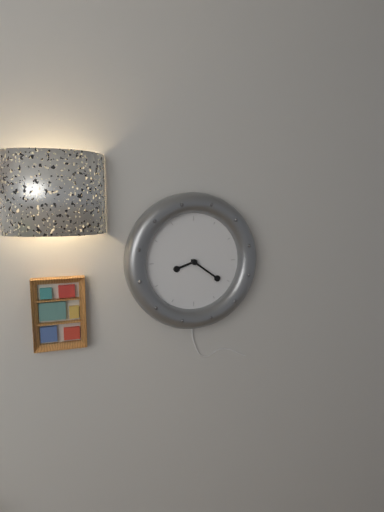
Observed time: 8:21
